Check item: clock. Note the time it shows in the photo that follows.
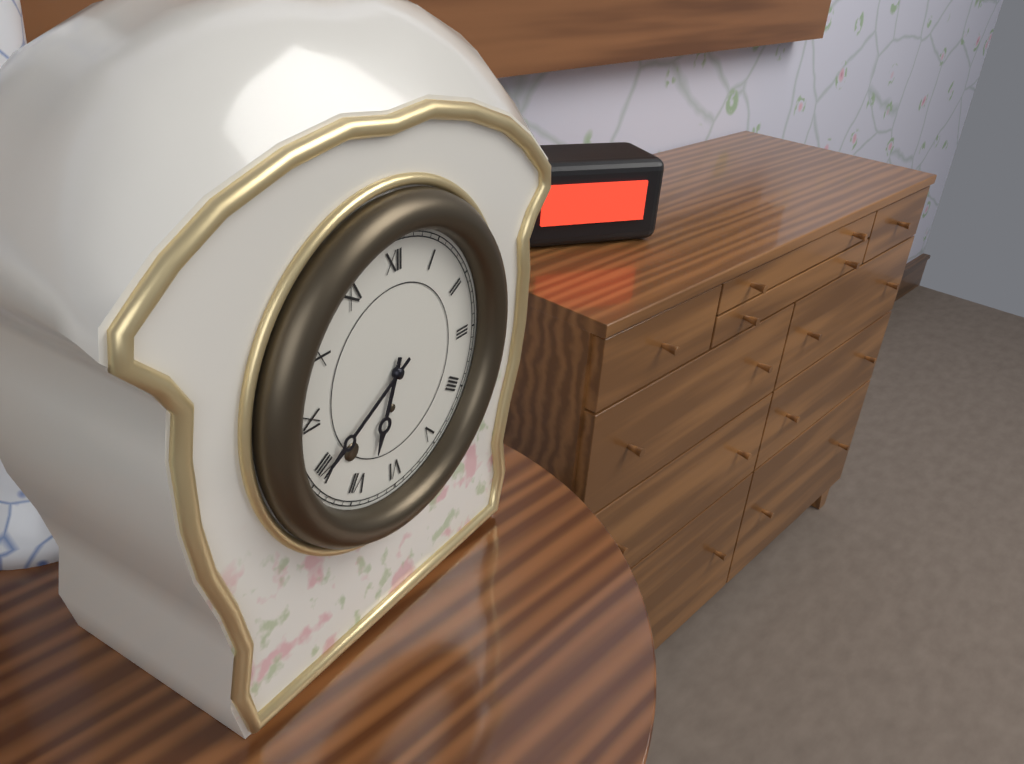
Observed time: 6:40
